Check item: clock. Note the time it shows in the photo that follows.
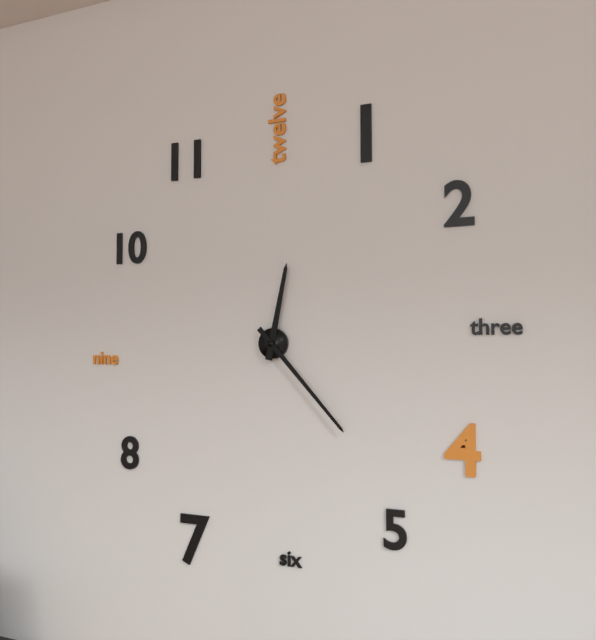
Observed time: 12:23
